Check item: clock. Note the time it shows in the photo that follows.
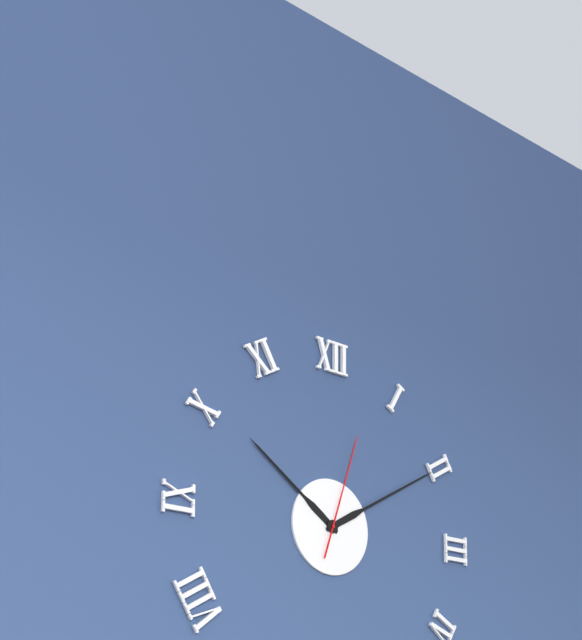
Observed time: 10:10:03
